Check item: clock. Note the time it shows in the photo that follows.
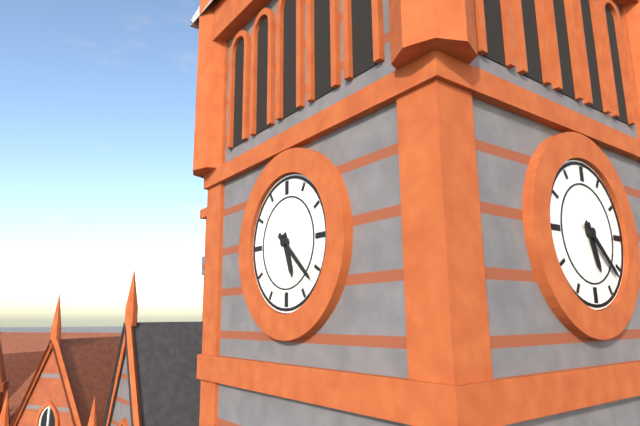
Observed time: 5:22
